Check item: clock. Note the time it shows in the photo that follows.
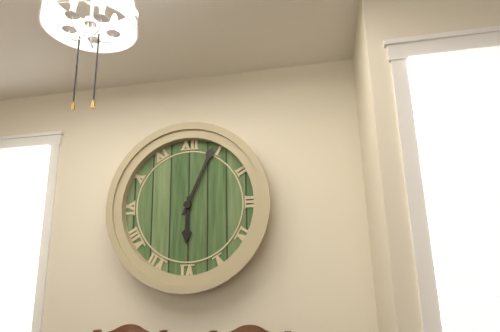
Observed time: 6:04
